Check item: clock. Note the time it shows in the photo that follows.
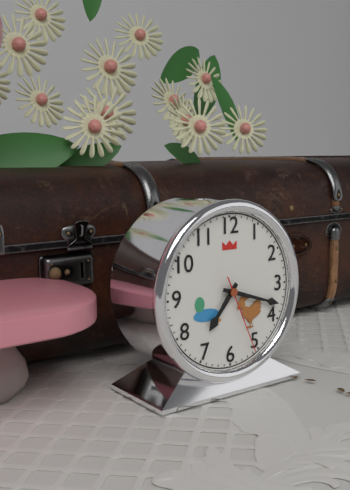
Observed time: 7:18:26
